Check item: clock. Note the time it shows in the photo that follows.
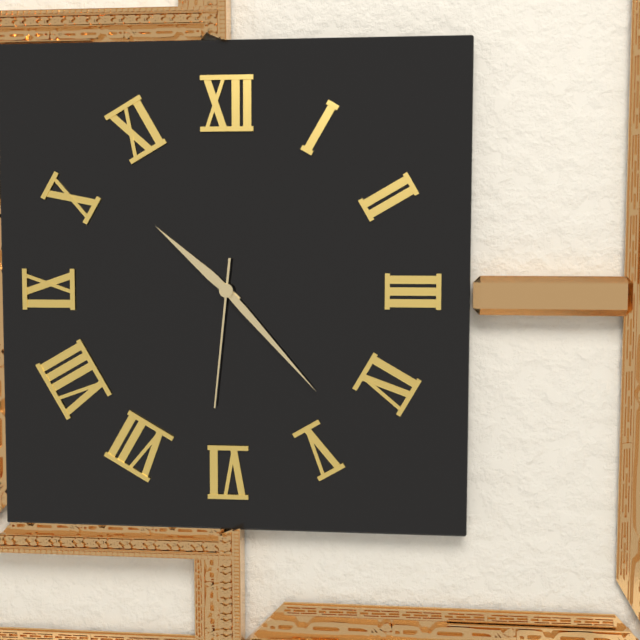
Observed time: 10:23:31
